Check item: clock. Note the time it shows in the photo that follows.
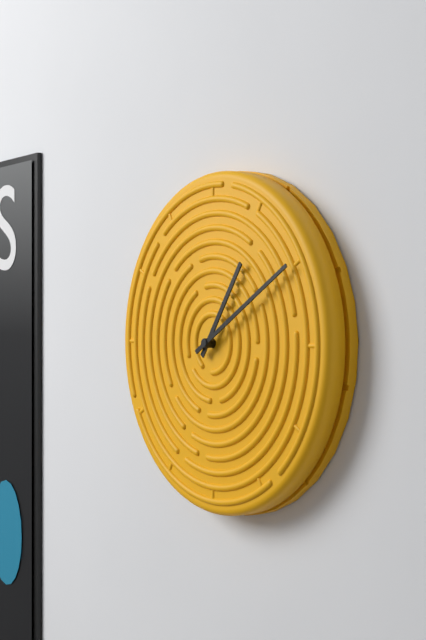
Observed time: 1:10
